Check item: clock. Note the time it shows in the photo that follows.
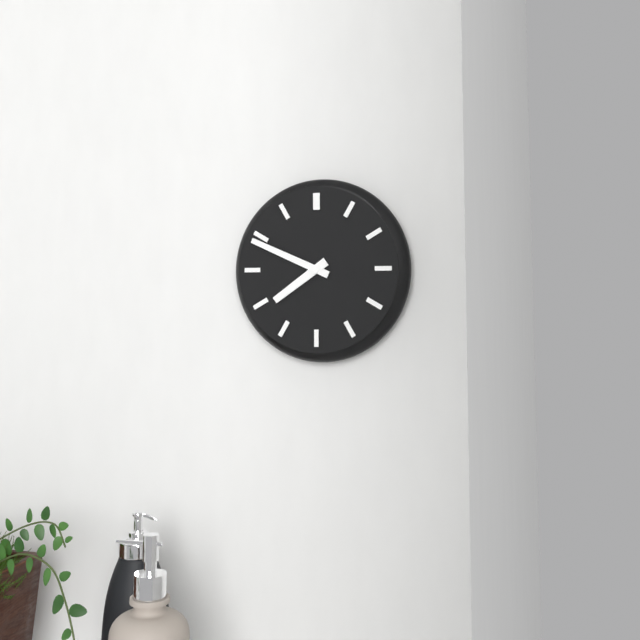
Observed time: 7:49
